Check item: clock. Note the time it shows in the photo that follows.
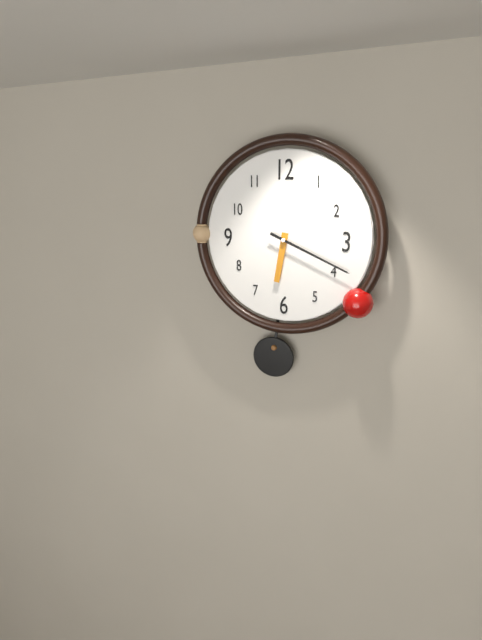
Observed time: 6:19
